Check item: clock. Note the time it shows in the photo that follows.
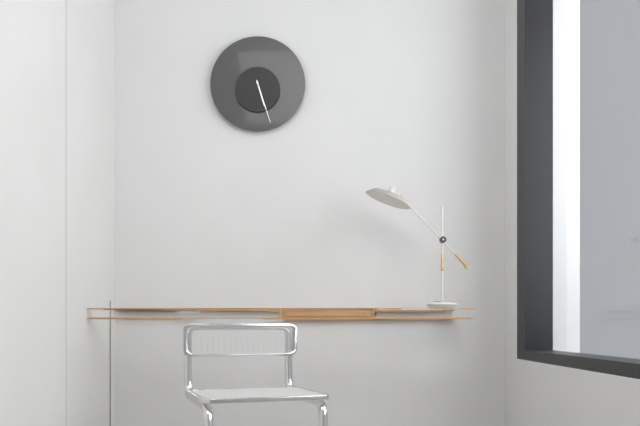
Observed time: 5:27
